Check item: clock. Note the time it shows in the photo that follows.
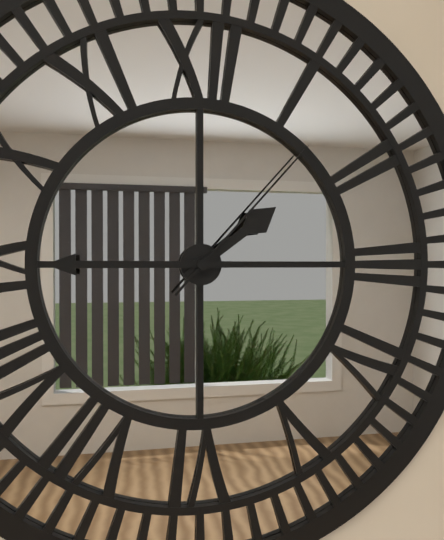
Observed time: 1:45:07
